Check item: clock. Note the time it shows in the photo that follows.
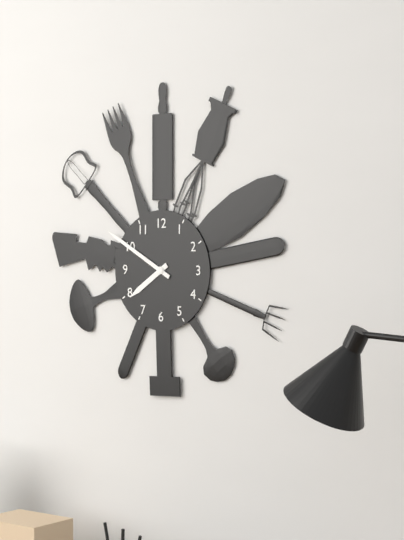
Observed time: 7:50
